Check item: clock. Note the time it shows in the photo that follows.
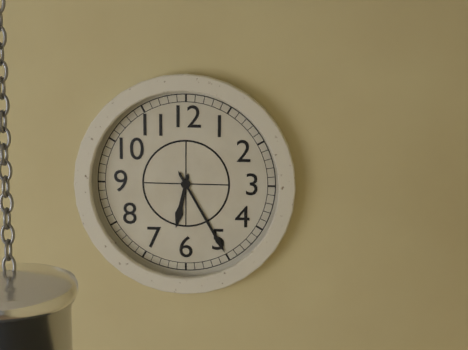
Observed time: 6:25
